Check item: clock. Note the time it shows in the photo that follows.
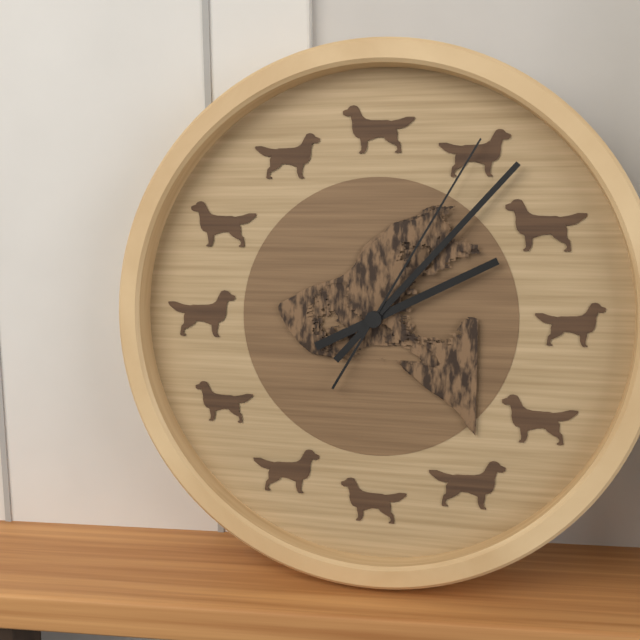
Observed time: 2:07:05
